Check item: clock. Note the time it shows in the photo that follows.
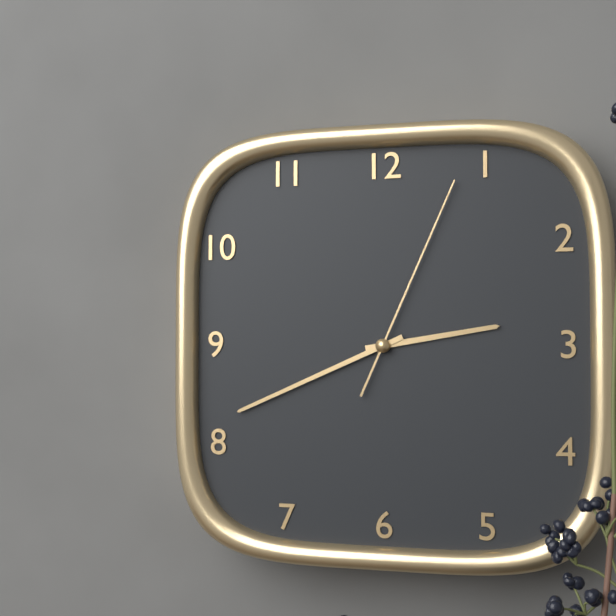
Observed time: 2:41:04
